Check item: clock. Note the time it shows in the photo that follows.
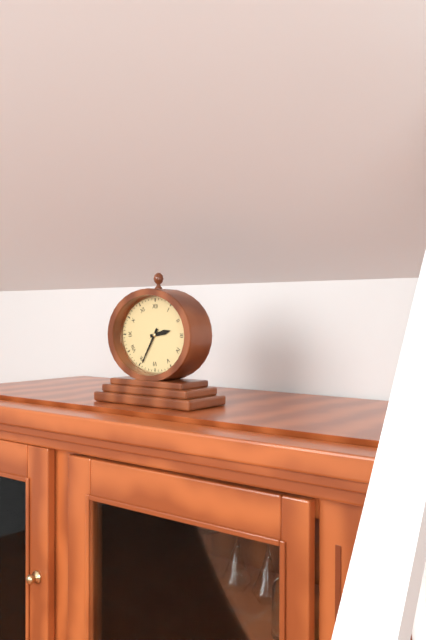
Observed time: 2:35
